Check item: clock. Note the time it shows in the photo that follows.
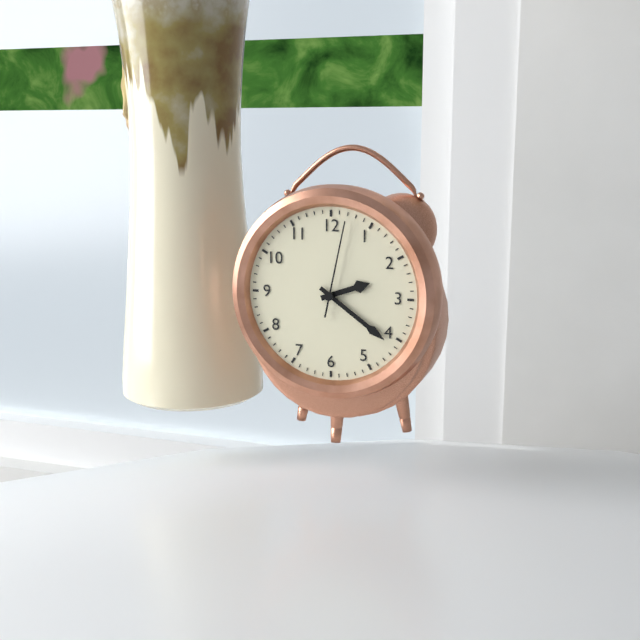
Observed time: 2:21:02
